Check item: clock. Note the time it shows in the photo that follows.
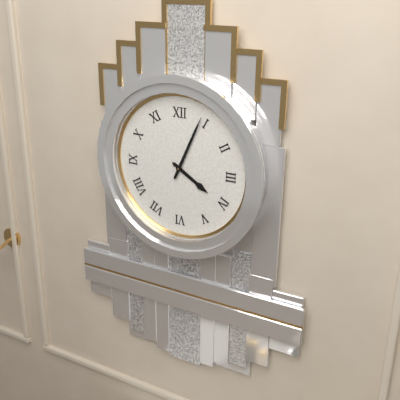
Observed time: 4:04
